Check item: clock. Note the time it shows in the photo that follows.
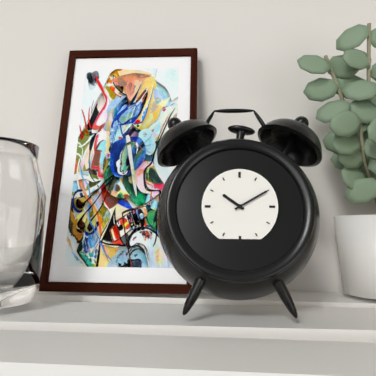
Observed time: 10:10
